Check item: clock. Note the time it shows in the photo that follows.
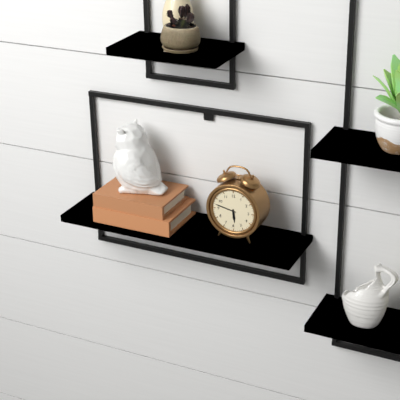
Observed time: 5:47
